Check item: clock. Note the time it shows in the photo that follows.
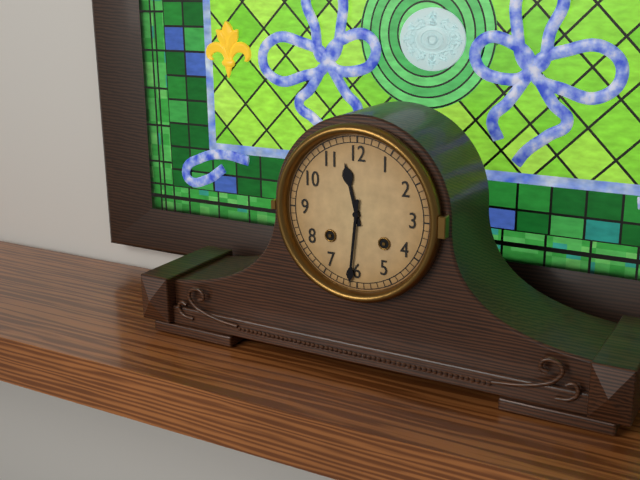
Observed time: 11:31
